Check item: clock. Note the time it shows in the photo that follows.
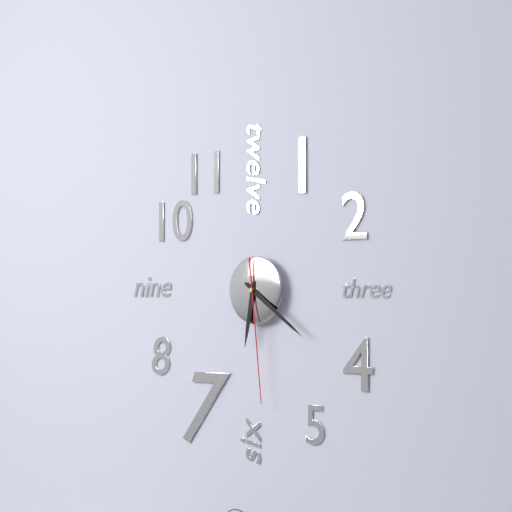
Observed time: 6:21:29
